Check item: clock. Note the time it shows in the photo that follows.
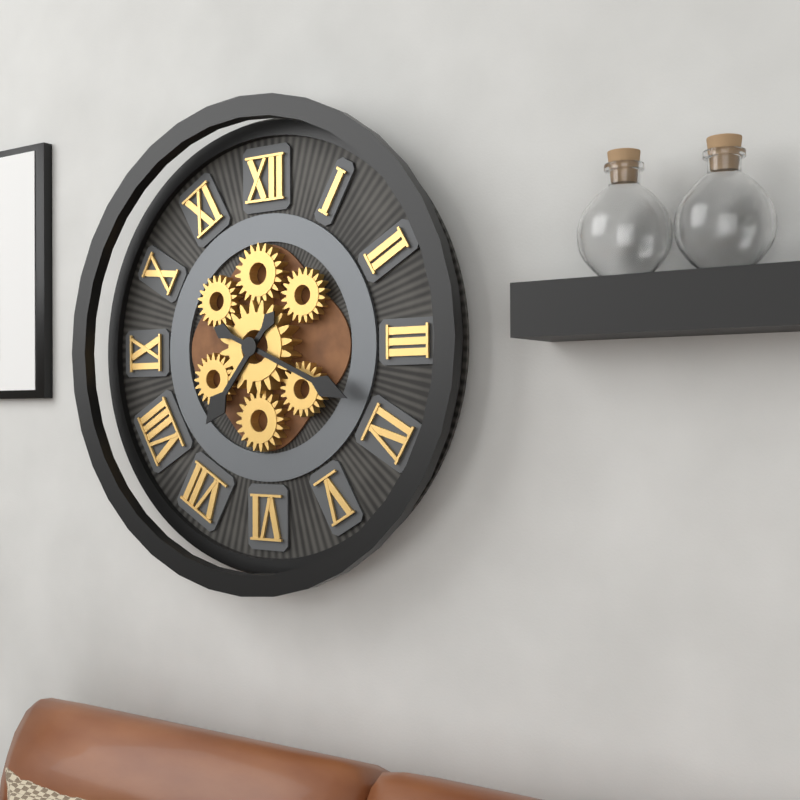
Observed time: 7:19
